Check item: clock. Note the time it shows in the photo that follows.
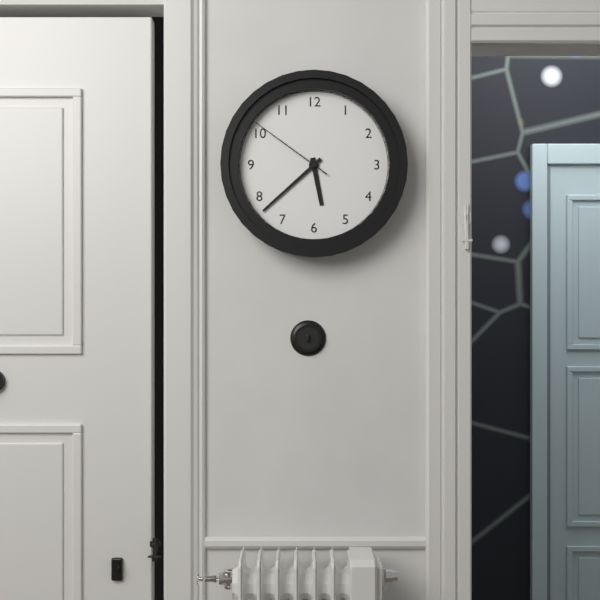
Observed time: 5:38:51
